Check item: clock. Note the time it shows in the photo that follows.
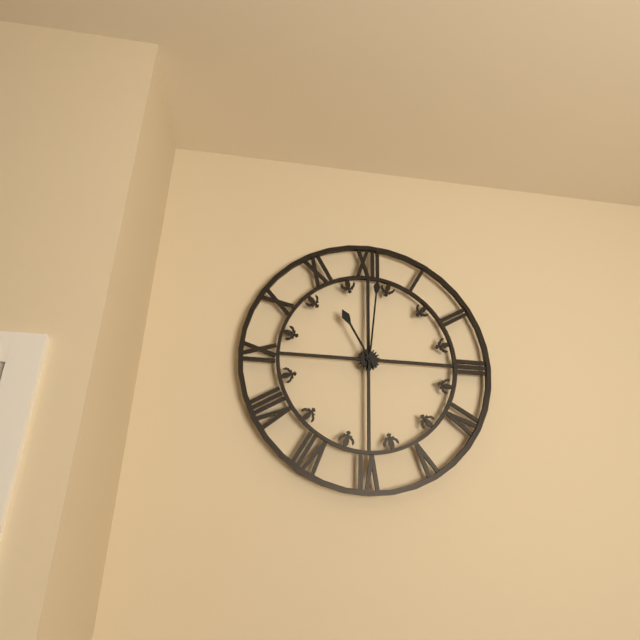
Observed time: 11:01
